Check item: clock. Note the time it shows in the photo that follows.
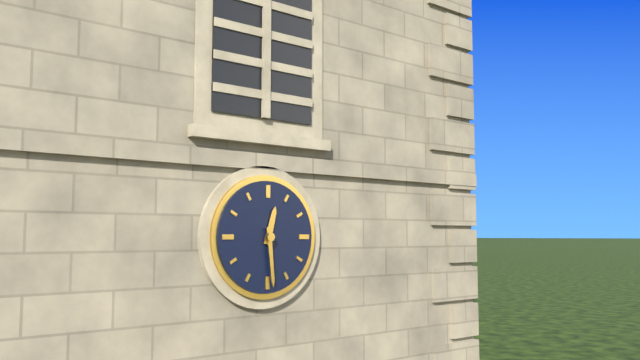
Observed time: 12:29
